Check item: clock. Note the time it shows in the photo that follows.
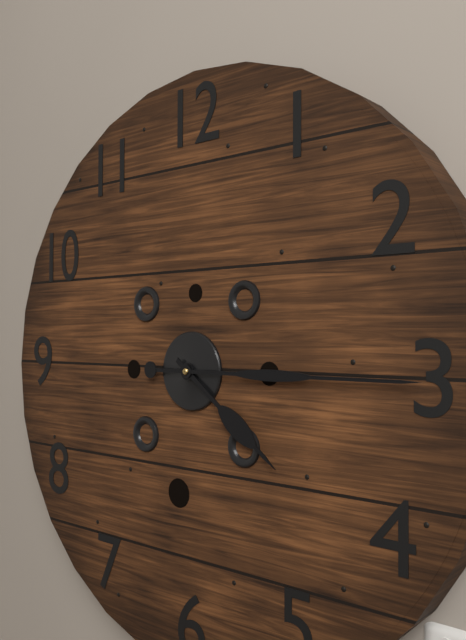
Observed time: 4:15
